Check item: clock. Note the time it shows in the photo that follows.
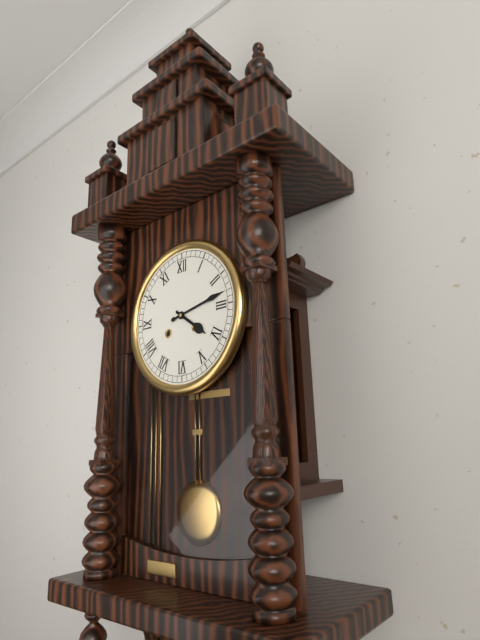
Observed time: 4:13
